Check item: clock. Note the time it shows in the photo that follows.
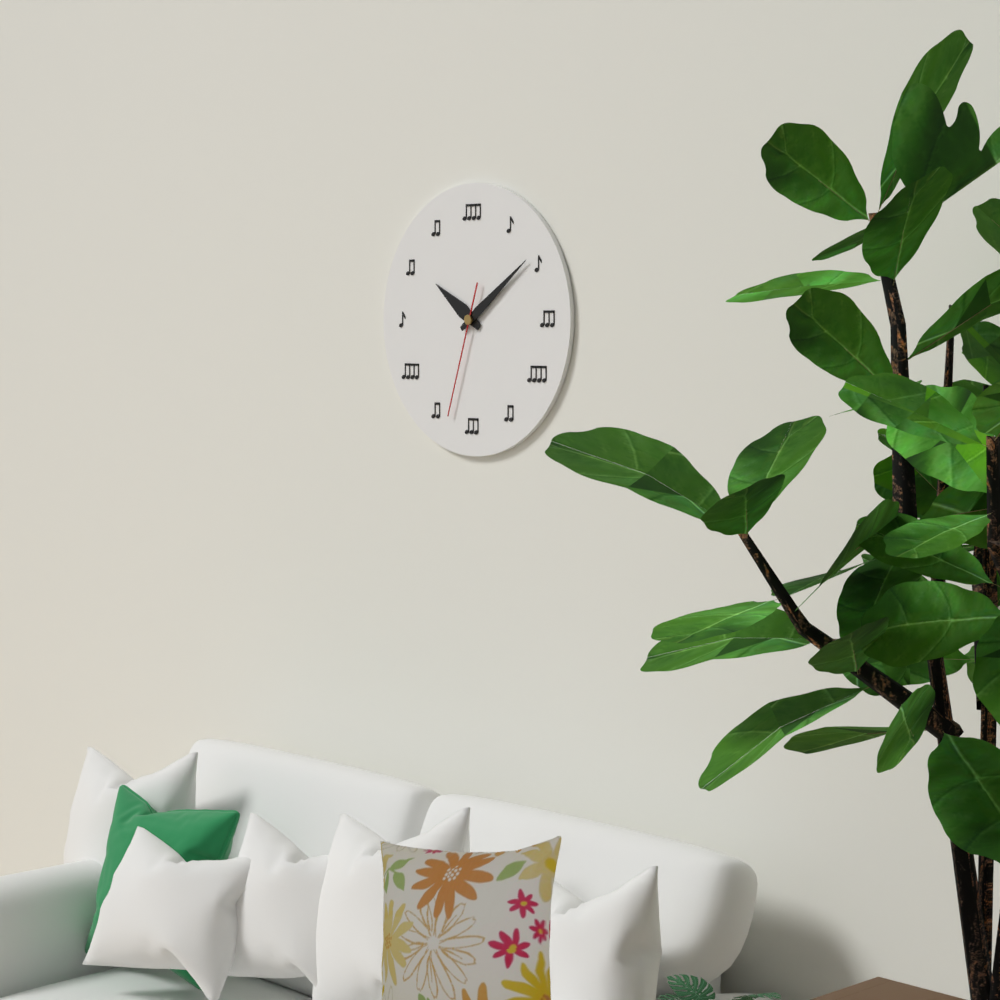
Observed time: 10:09:33
